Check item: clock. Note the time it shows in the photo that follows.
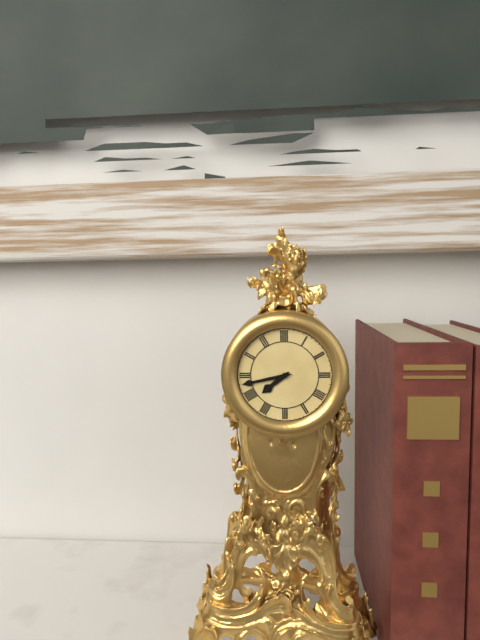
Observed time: 7:43
